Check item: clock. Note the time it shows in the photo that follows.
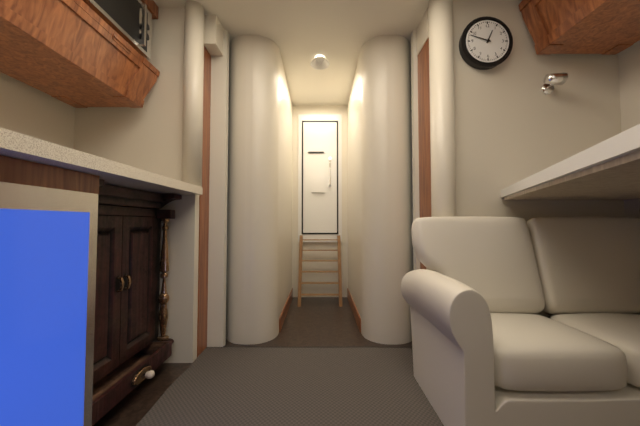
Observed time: 12:48
